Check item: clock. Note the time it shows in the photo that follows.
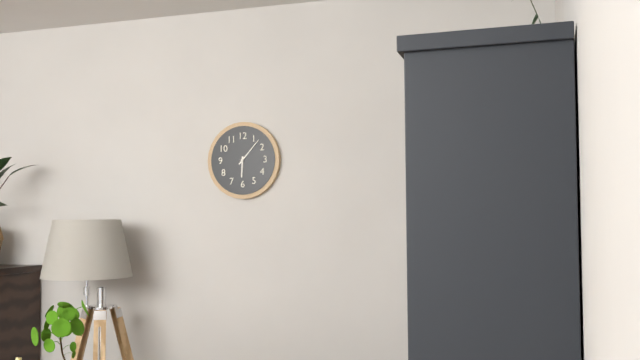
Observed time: 6:07
